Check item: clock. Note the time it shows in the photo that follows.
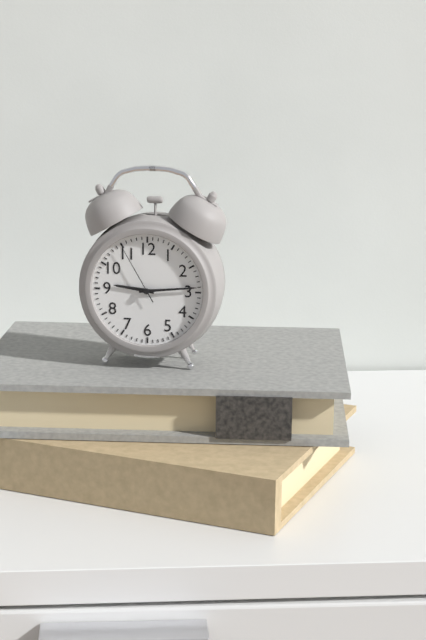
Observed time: 9:14:55
